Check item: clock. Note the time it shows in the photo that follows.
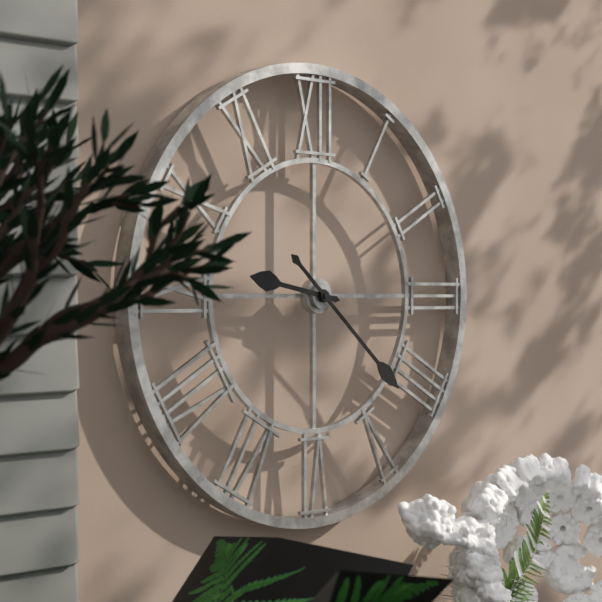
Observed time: 9:22
